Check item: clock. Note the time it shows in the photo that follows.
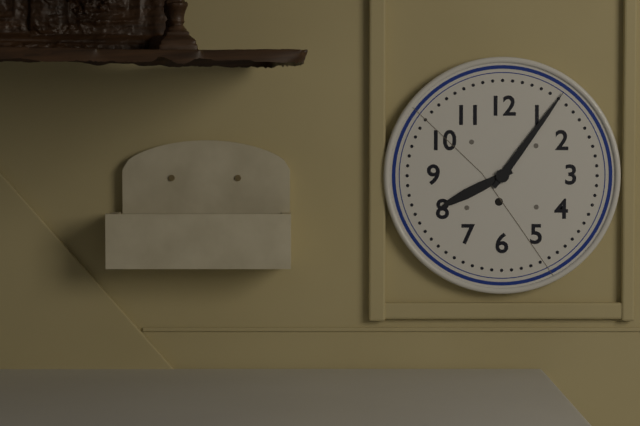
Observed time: 8:06
